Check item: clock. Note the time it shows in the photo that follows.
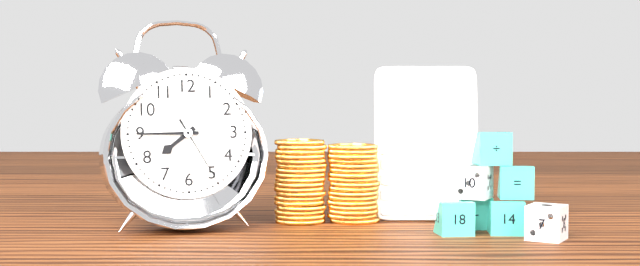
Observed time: 7:45:25
